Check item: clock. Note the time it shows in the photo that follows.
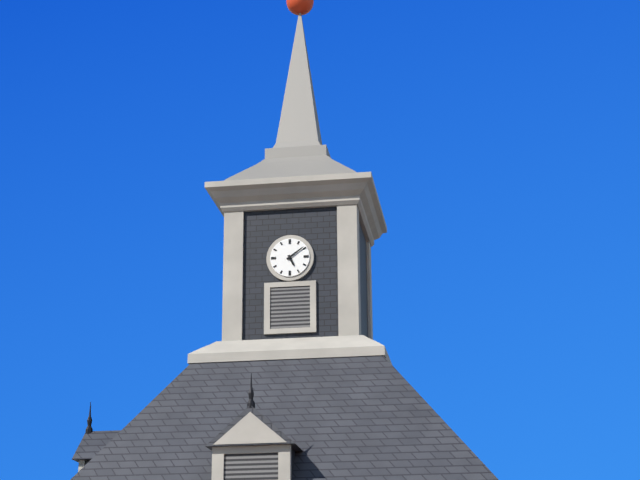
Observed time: 5:09
